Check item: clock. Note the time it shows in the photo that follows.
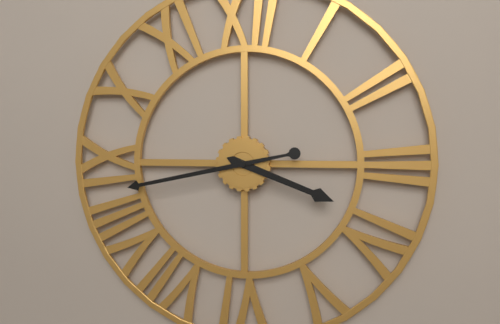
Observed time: 3:43
